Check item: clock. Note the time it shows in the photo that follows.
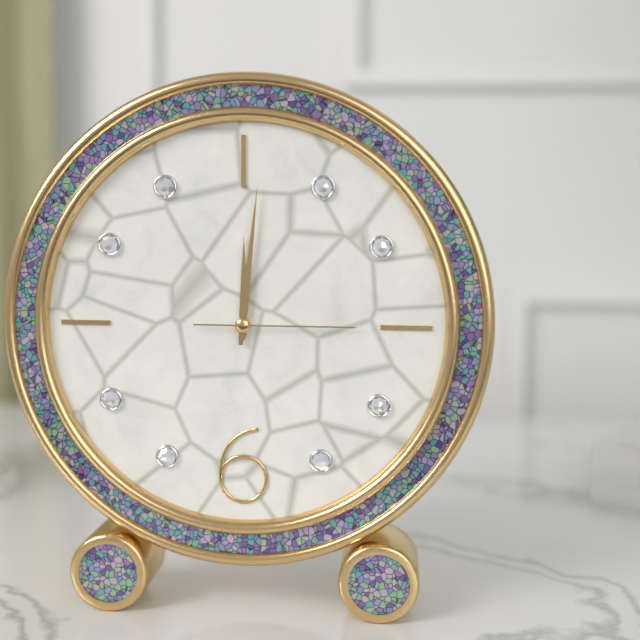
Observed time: 12:01:15
